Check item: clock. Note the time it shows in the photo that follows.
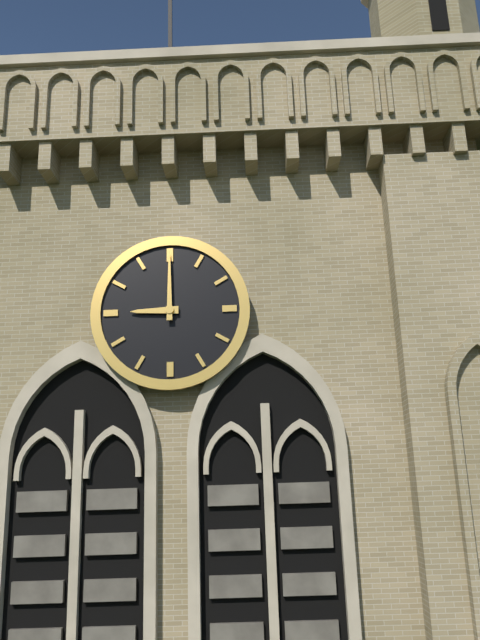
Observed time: 9:00
